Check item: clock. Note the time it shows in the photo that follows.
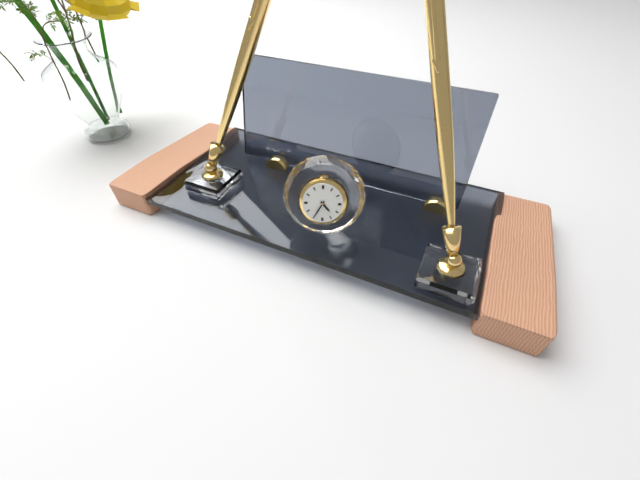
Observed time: 4:35
